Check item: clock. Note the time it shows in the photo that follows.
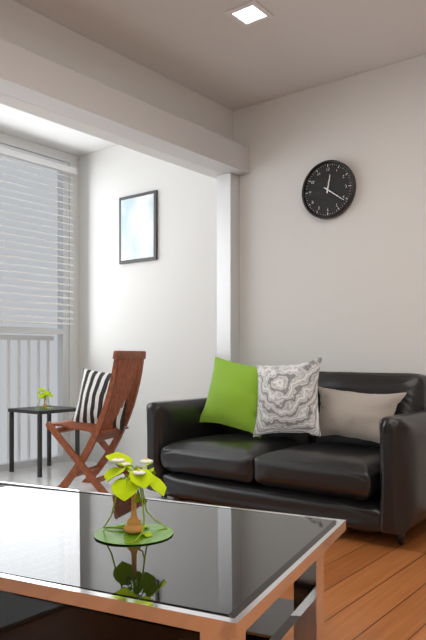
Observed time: 12:21
